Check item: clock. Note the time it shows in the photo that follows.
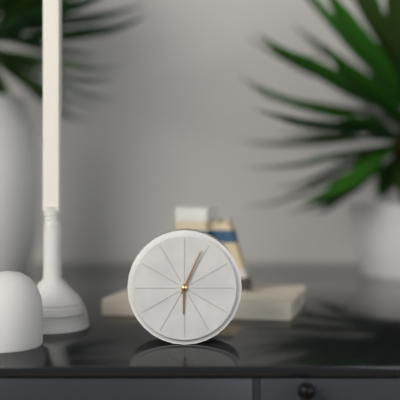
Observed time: 6:04
